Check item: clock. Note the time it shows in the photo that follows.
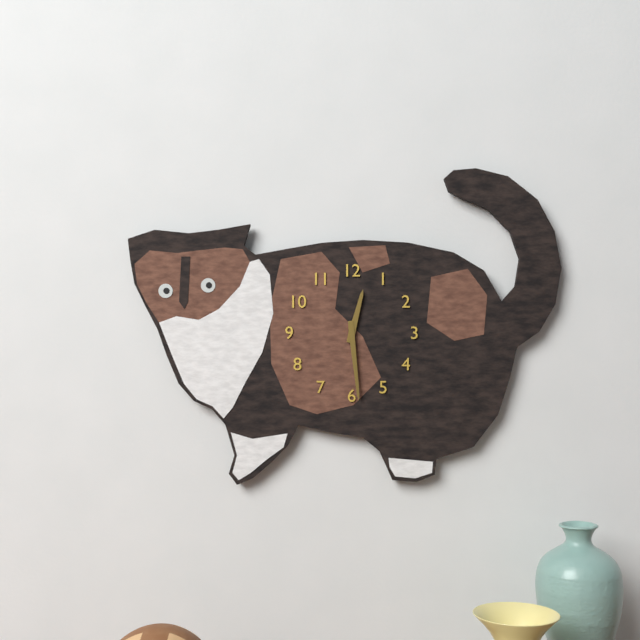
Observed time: 12:29
